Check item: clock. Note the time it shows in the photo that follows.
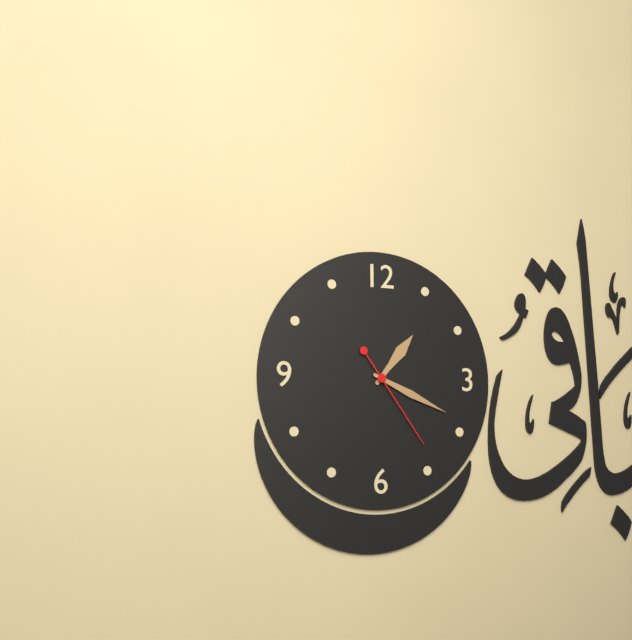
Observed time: 1:19:24
